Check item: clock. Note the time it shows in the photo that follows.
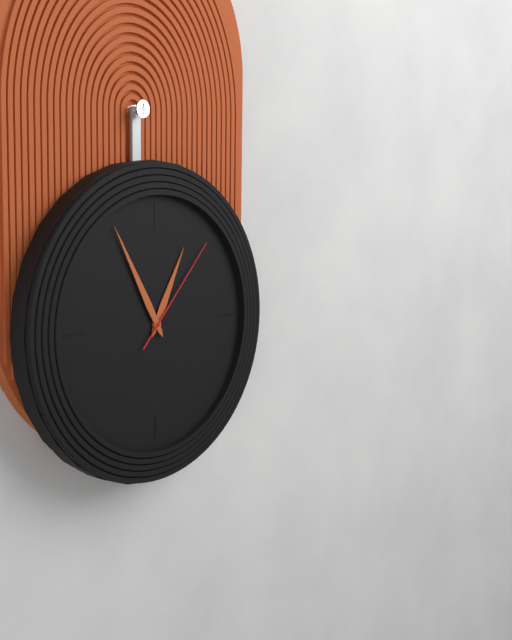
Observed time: 12:55:07
